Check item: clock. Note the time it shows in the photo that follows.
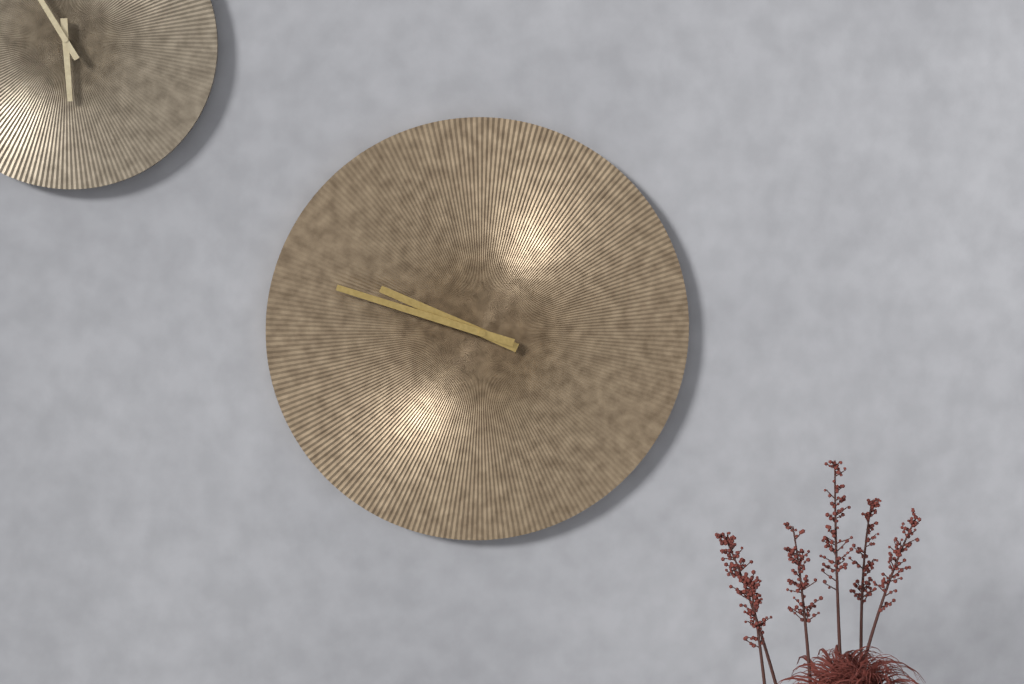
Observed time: 9:48
